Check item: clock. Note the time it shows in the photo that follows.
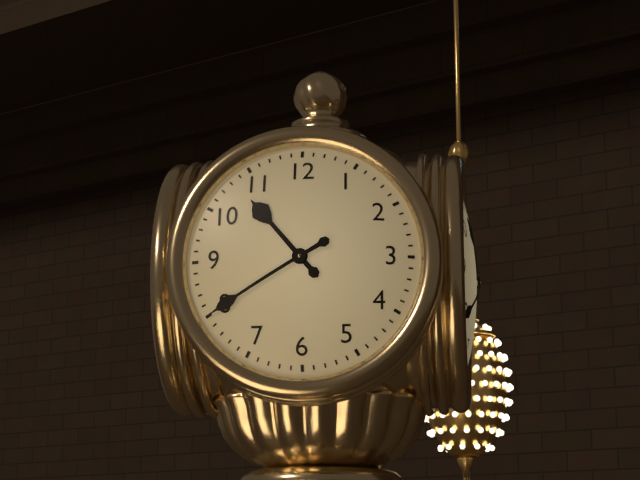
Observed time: 10:40
